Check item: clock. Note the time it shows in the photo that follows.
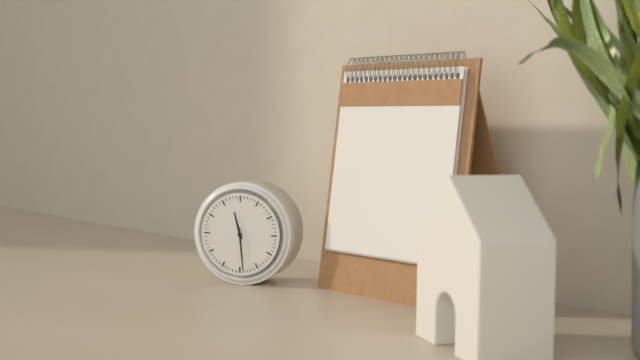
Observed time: 11:29
